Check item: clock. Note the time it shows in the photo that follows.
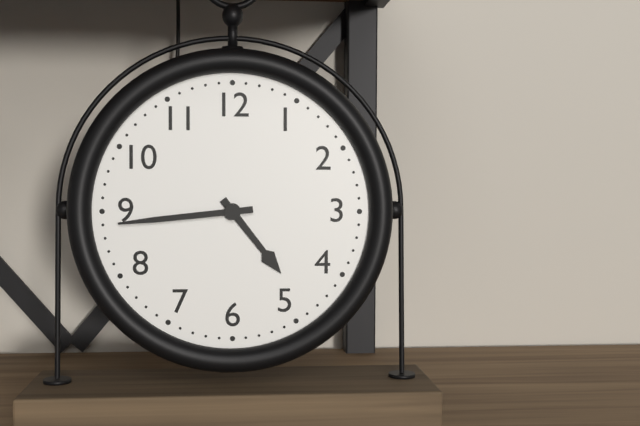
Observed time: 4:44
